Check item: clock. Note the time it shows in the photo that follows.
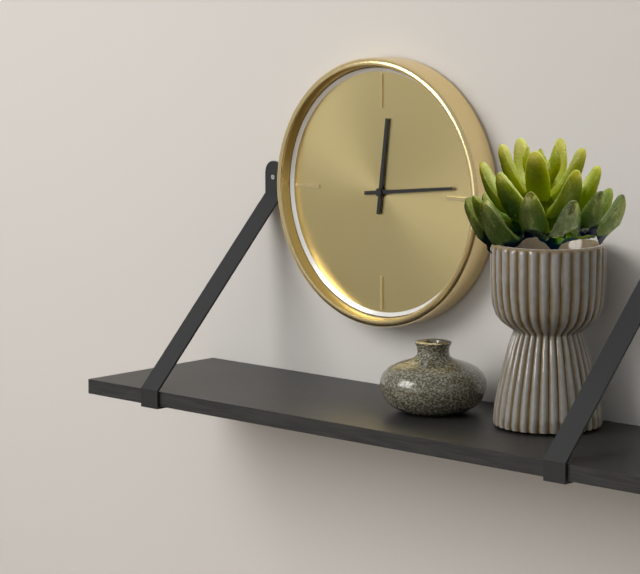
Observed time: 12:14
